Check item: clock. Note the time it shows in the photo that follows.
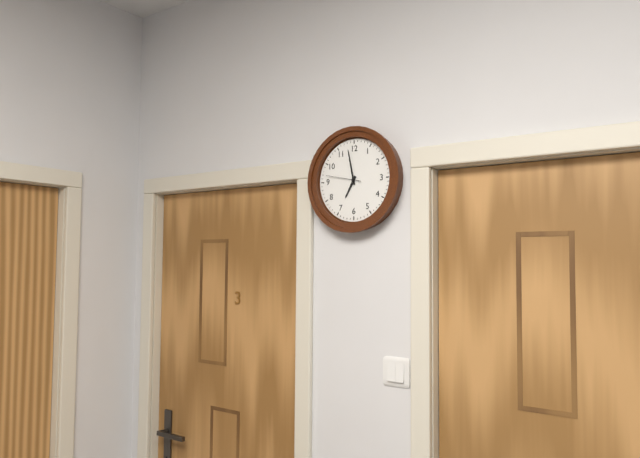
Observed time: 6:58
